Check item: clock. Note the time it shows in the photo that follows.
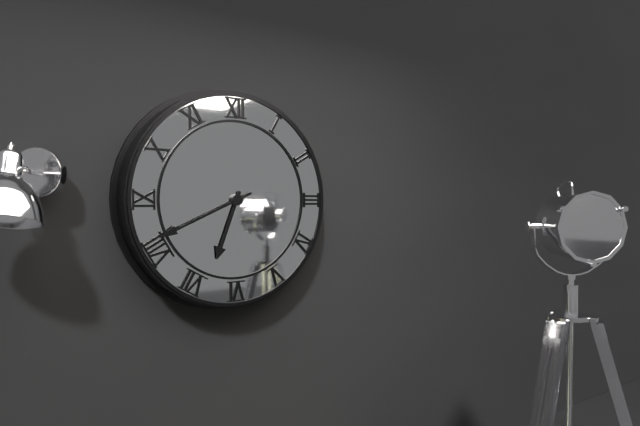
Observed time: 6:41
